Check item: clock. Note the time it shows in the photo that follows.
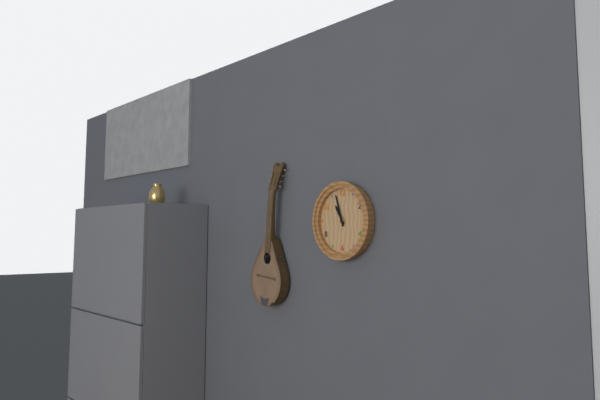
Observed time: 10:57
